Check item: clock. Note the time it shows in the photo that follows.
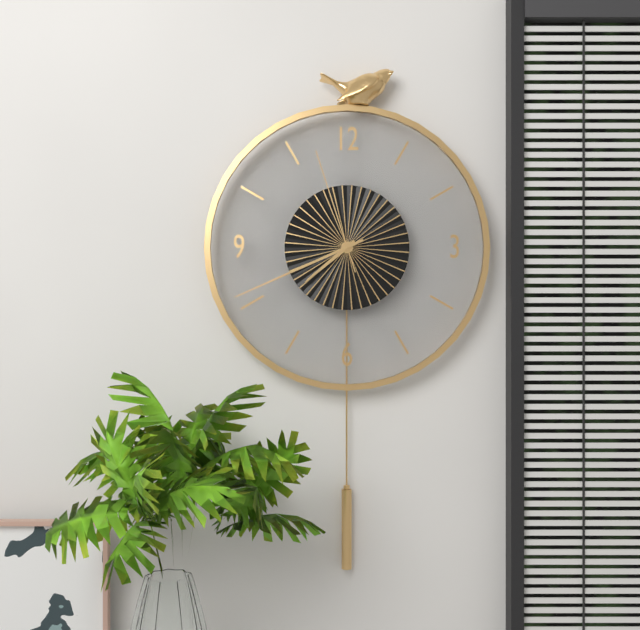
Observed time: 7:41:57
